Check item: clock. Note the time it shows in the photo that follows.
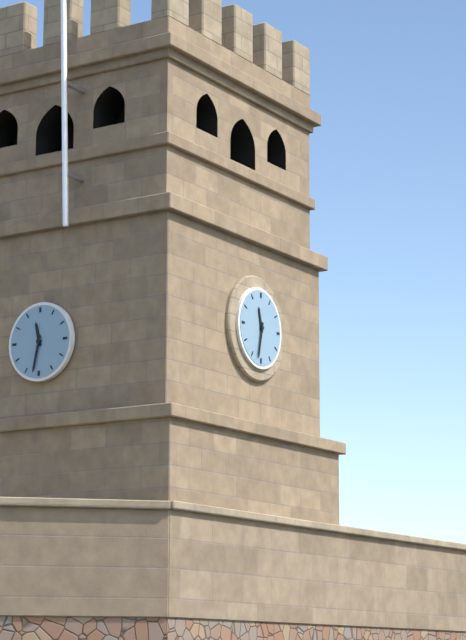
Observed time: 11:32
